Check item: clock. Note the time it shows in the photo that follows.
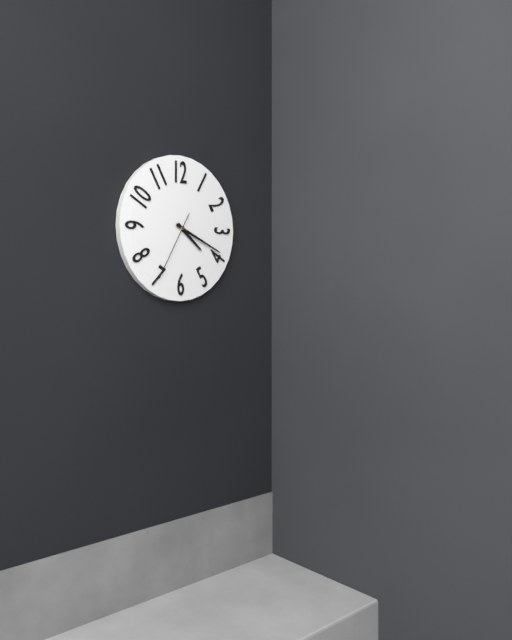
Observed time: 4:19:35
